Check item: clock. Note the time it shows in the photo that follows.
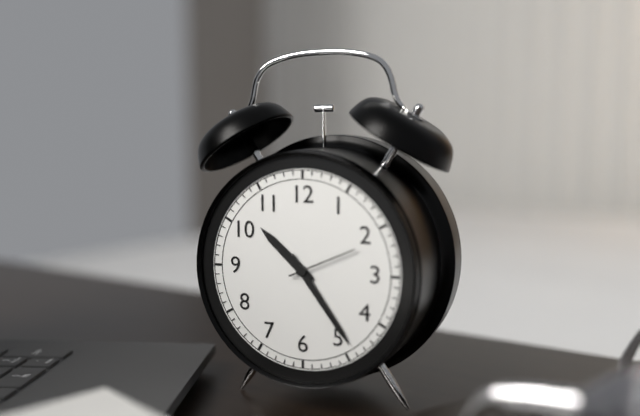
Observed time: 10:24
